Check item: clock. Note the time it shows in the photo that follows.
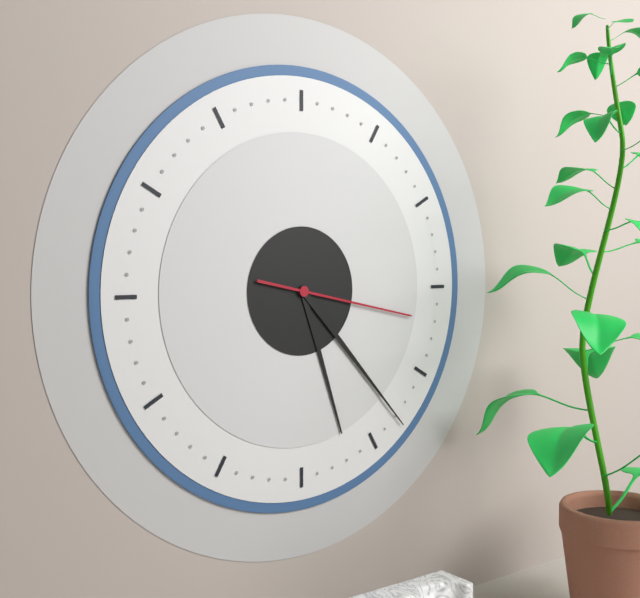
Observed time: 5:23:17
